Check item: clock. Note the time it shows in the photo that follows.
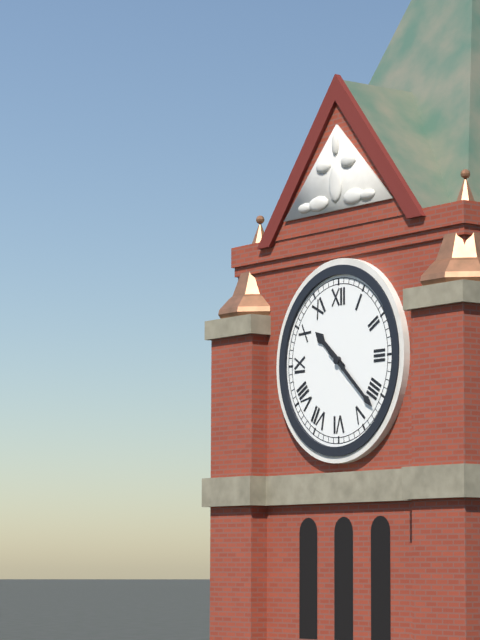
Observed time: 10:22
